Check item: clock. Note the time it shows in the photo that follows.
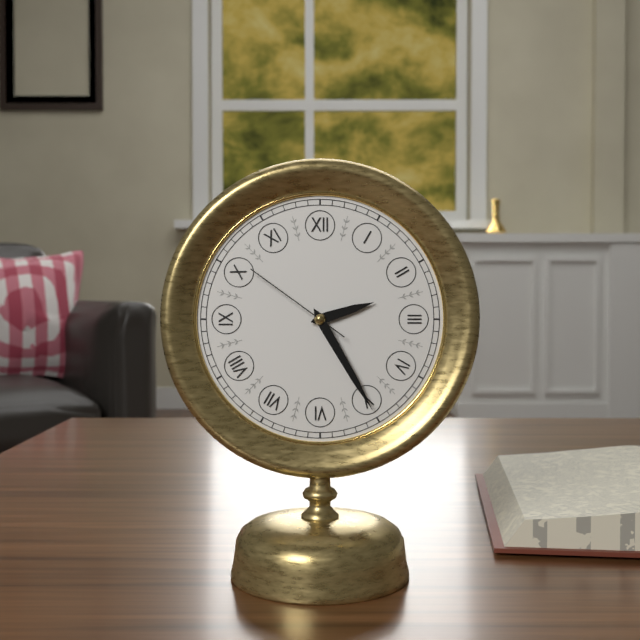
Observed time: 2:25:51
